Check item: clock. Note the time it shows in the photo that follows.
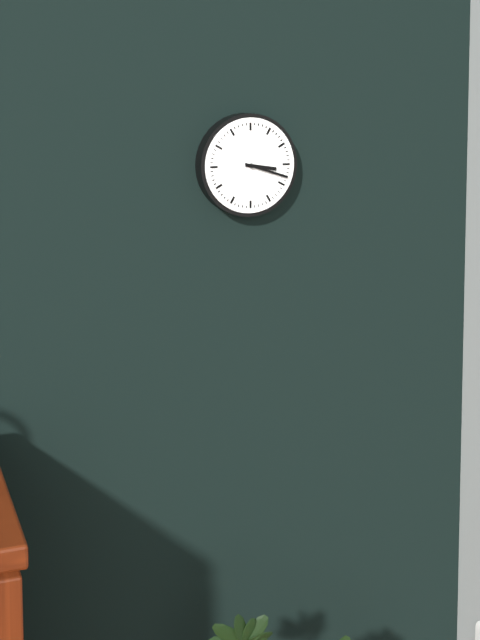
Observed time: 3:18
